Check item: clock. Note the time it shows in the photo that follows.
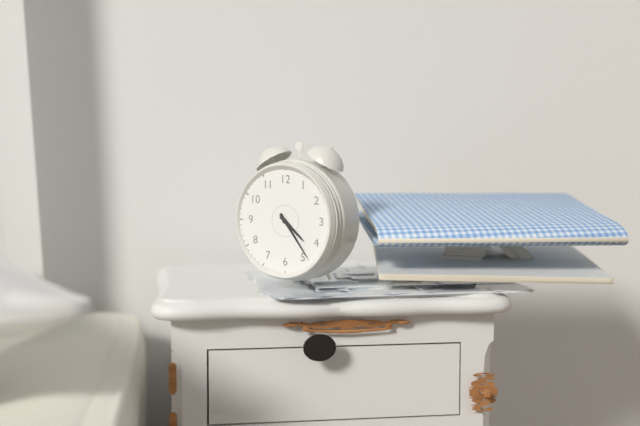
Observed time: 4:24
